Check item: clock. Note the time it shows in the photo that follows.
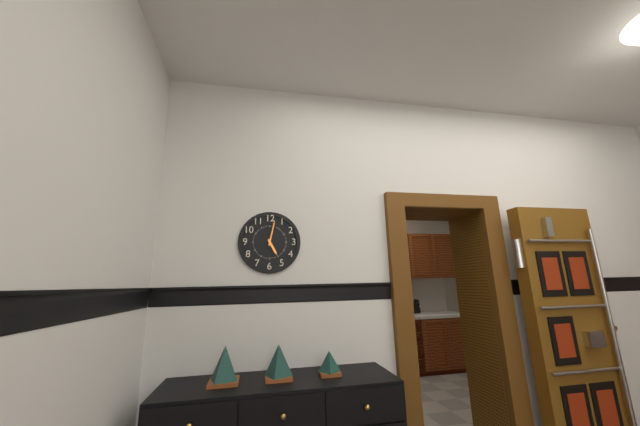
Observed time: 5:02
